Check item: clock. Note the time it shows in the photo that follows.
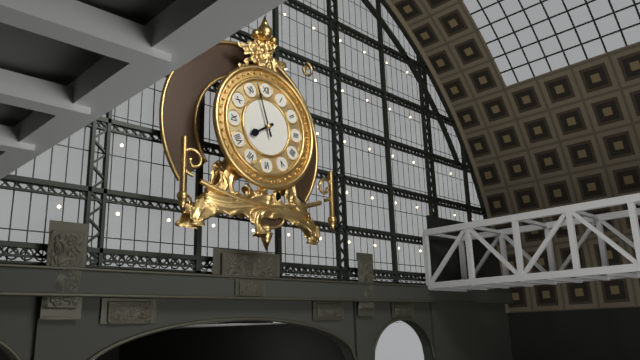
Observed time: 7:57
